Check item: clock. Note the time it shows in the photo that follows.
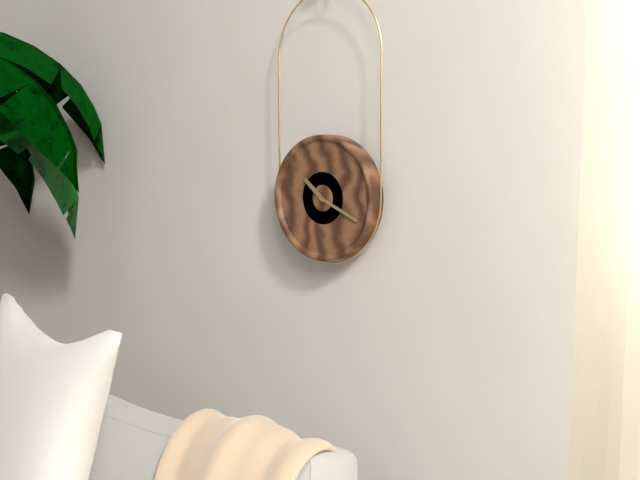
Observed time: 10:19
